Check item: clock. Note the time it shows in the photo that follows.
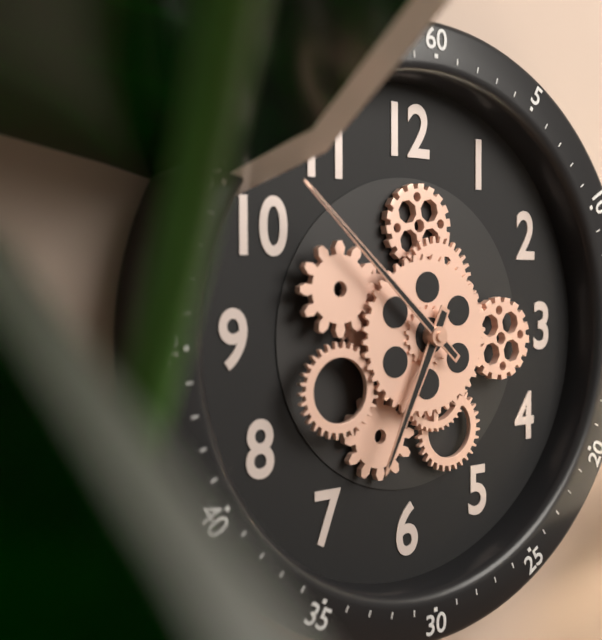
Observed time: 6:52
